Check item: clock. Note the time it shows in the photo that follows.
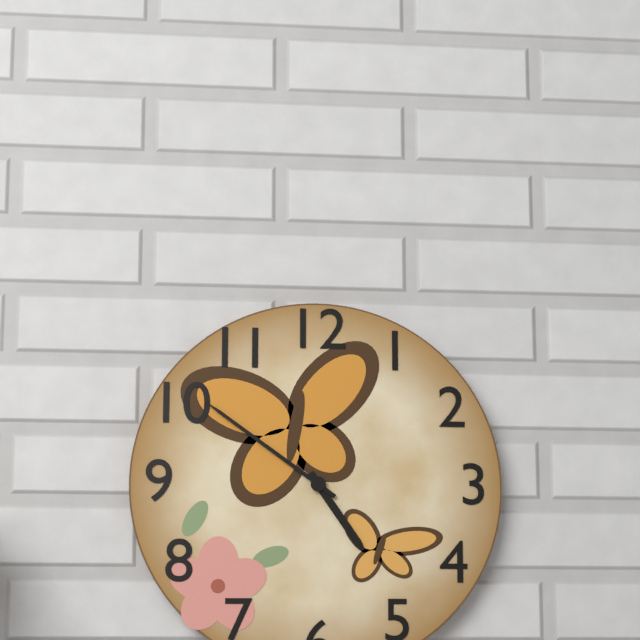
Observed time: 4:51
